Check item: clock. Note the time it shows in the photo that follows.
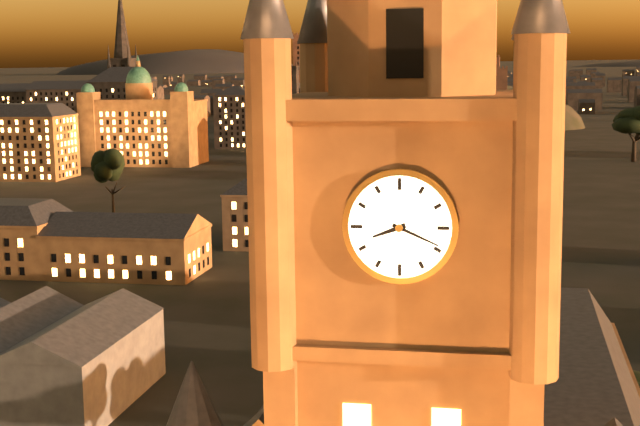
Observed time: 8:19
